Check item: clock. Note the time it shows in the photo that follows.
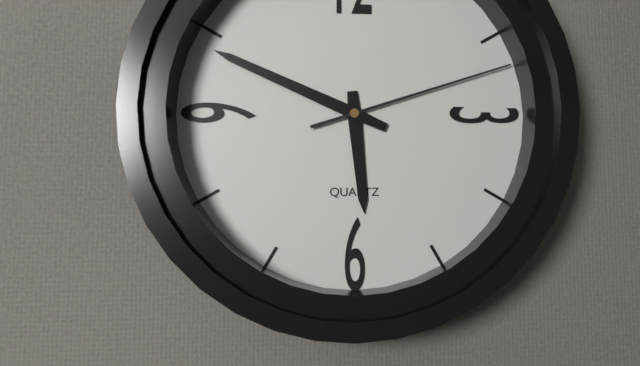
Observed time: 5:49:12
